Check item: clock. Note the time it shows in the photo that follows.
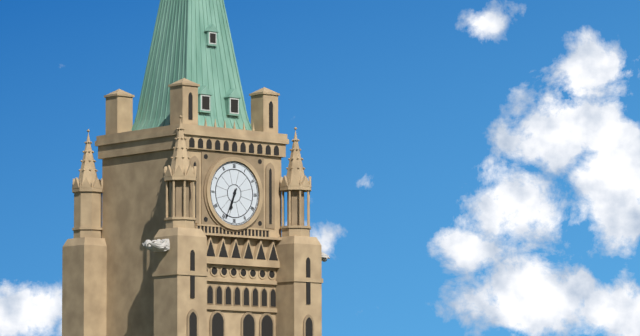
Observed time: 6:34
